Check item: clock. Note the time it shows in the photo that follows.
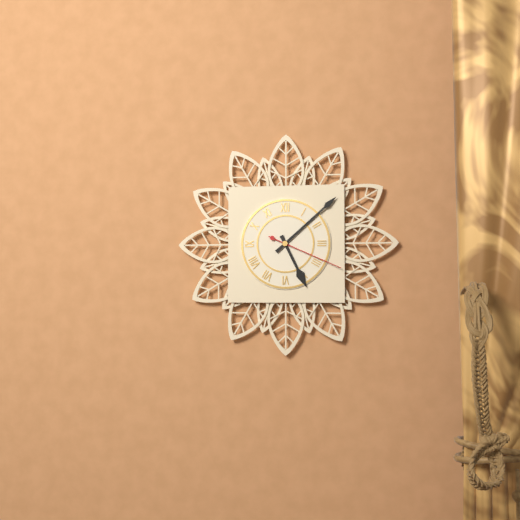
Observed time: 5:08:19
